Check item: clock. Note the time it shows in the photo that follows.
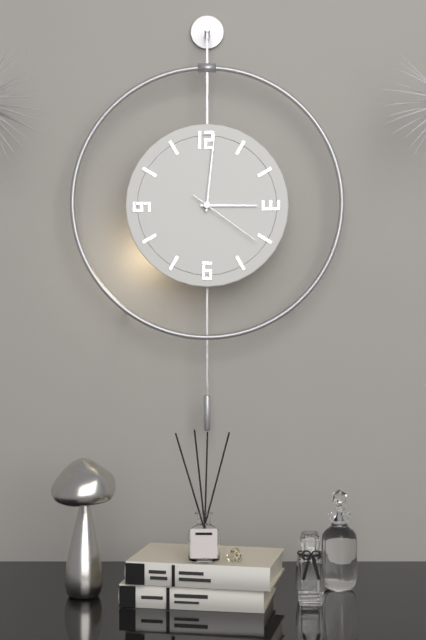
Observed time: 3:01:21
